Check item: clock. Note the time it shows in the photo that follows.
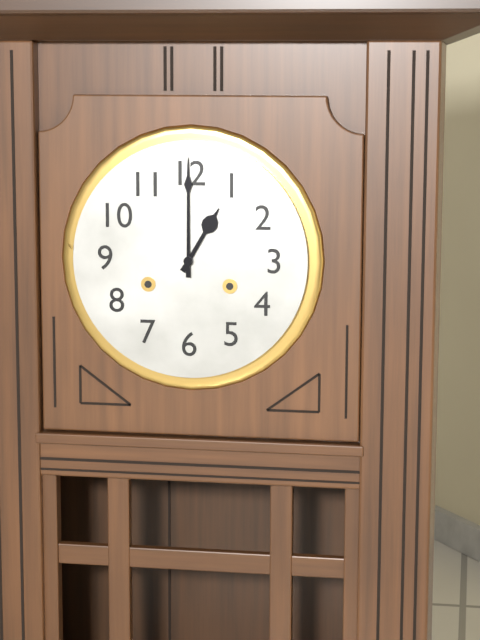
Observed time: 1:00
